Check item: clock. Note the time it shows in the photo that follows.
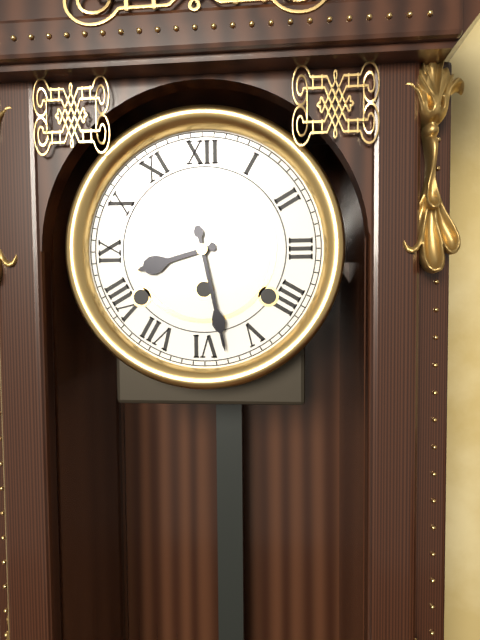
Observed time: 8:28
